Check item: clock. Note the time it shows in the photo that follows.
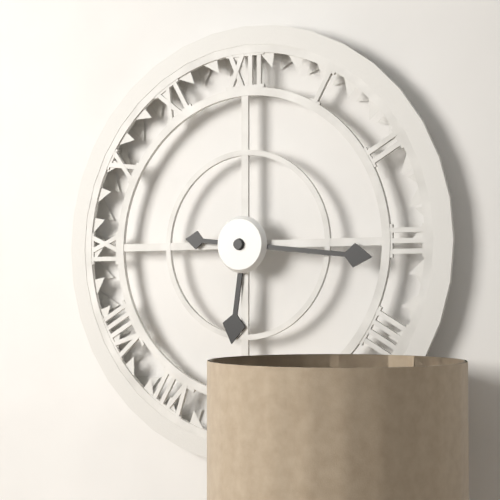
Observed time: 6:16
